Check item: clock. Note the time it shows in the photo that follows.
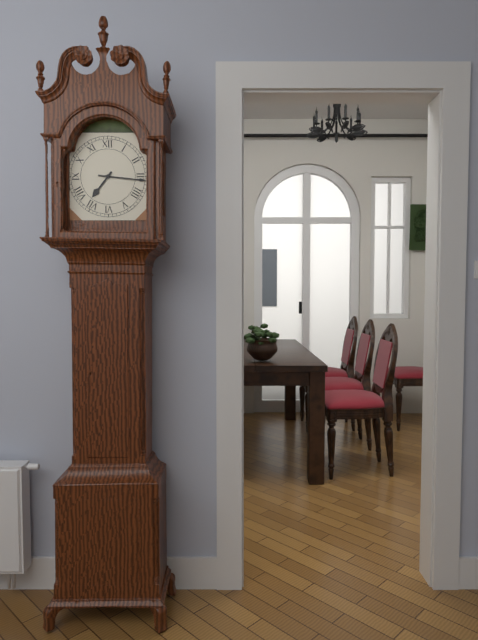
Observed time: 7:16
